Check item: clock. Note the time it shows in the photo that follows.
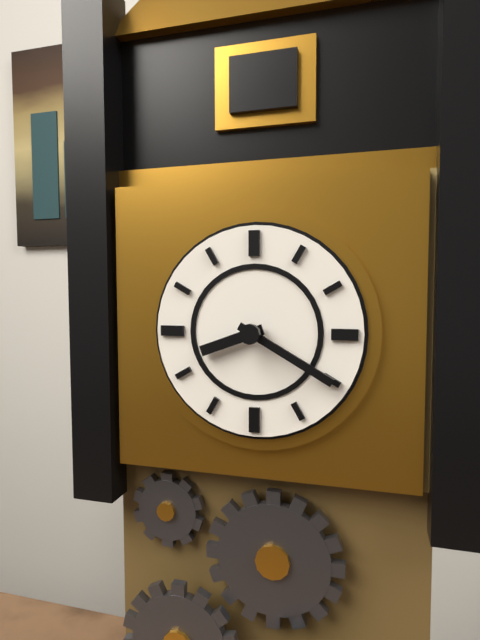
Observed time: 8:20
